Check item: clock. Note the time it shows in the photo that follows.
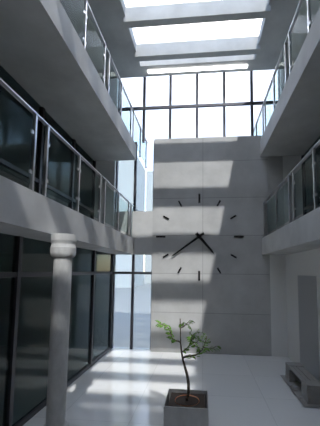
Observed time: 4:39
